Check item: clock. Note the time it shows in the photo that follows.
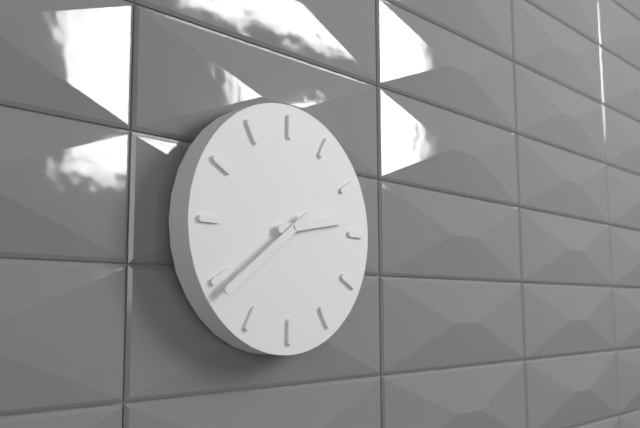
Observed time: 2:39
